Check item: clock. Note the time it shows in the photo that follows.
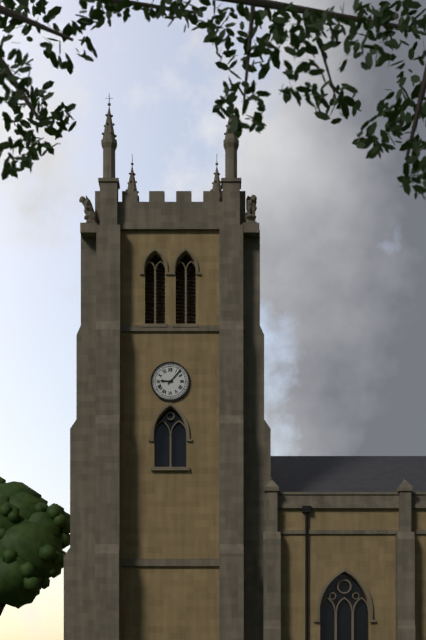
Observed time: 9:07
